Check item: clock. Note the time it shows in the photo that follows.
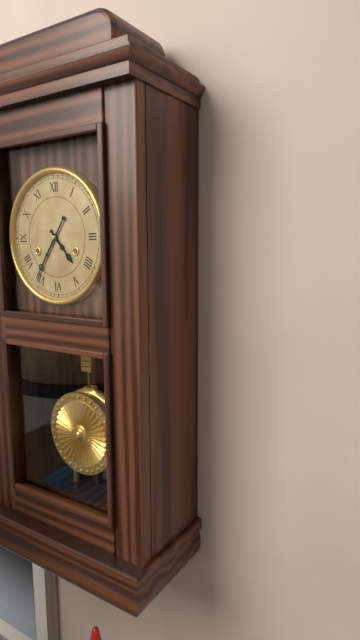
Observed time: 4:36
